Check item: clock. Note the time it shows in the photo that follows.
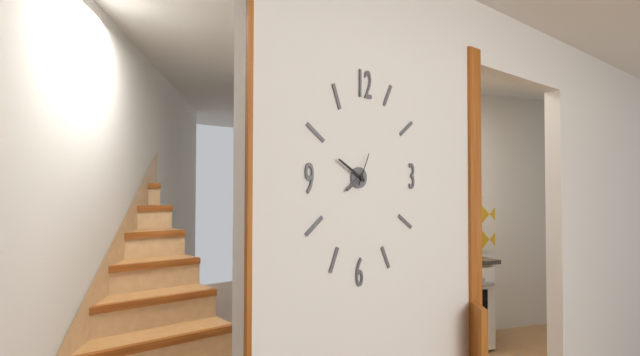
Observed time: 7:50
